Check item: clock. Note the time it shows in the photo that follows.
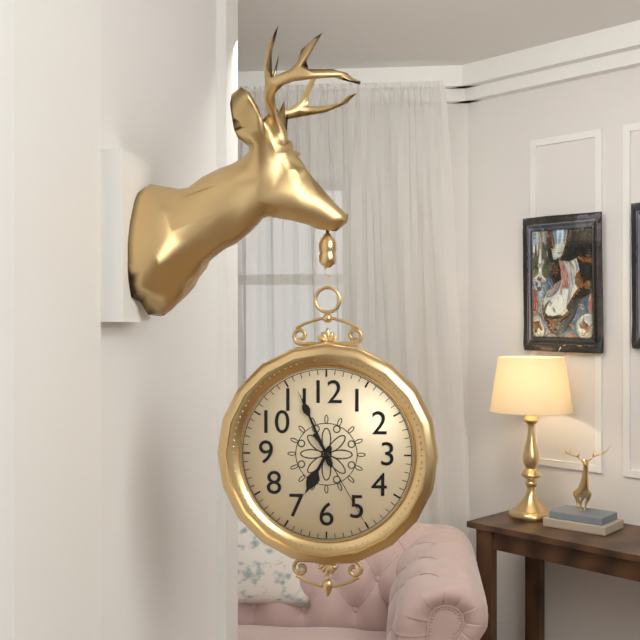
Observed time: 6:56:25
